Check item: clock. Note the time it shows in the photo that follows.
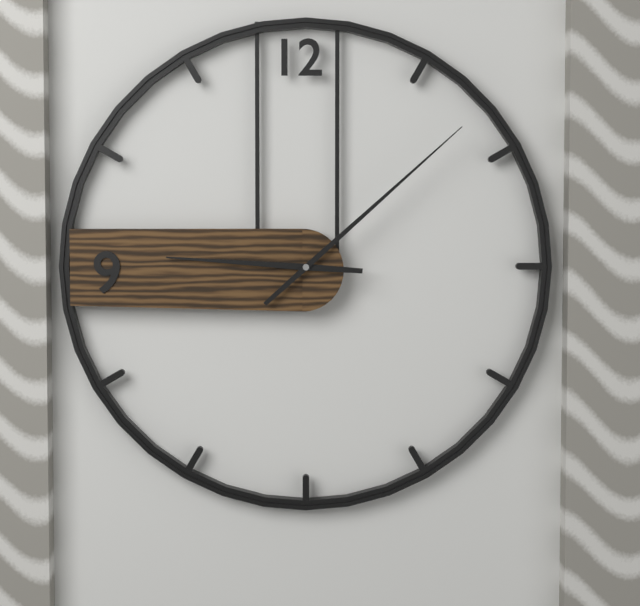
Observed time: 9:08
